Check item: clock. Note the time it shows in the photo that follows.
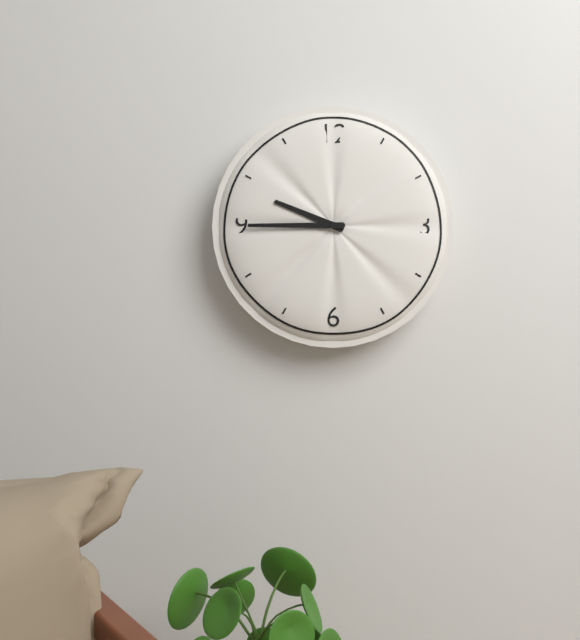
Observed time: 9:45
